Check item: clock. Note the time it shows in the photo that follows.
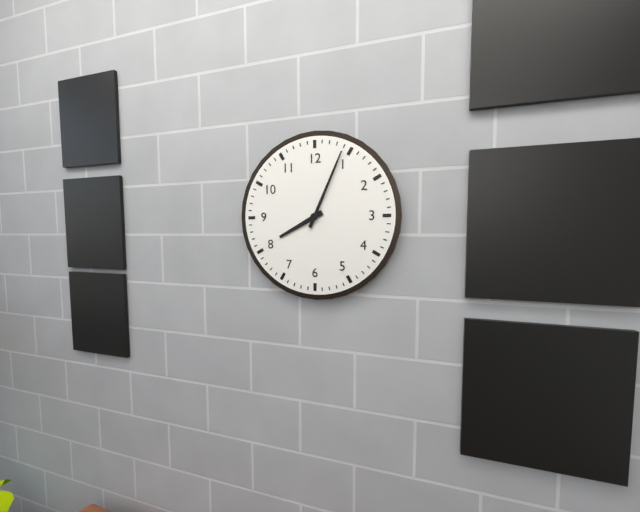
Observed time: 8:04
